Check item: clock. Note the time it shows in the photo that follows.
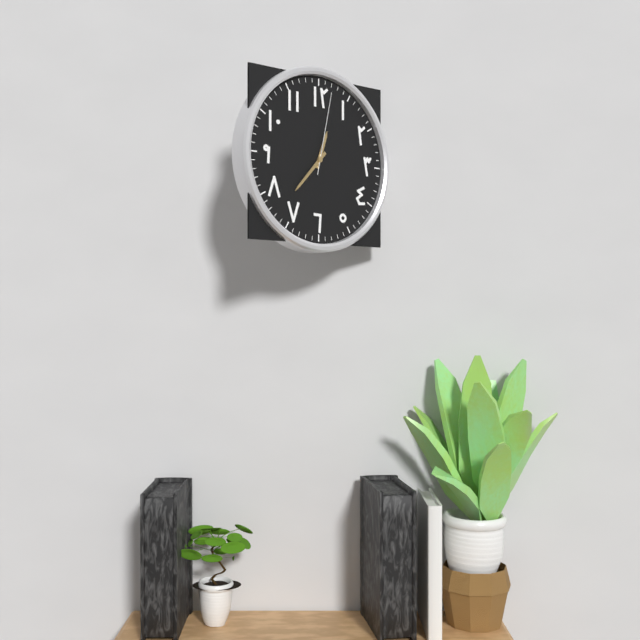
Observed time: 12:37:02
